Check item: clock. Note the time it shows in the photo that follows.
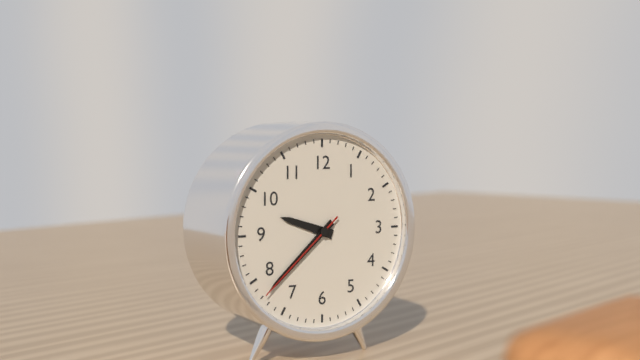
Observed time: 9:38:38
